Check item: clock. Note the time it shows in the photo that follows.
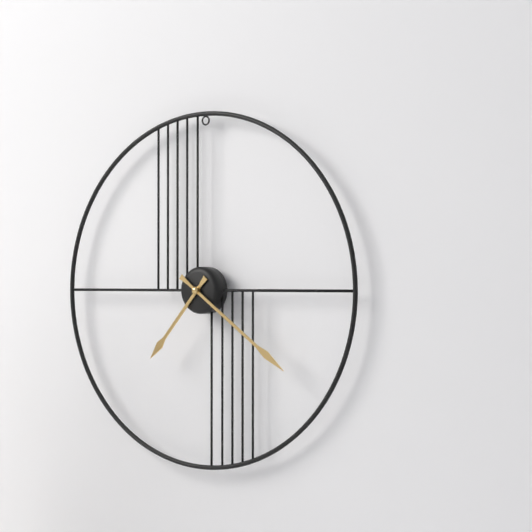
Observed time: 7:21
